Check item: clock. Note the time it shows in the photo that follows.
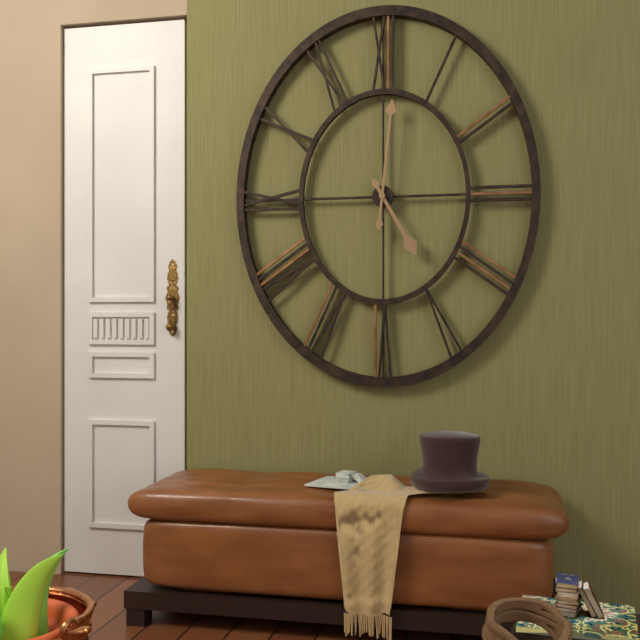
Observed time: 5:01
